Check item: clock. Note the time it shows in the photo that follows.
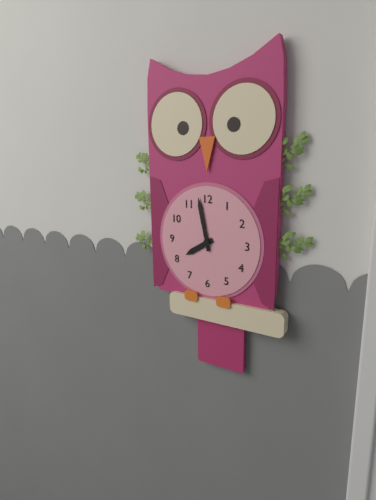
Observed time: 7:58
